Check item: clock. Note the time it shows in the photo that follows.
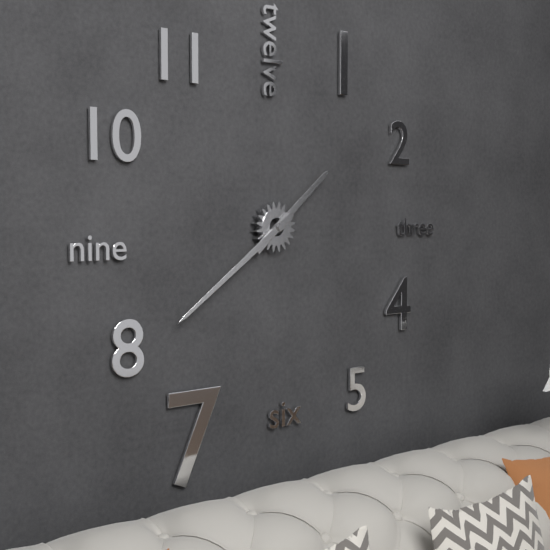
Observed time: 1:39
